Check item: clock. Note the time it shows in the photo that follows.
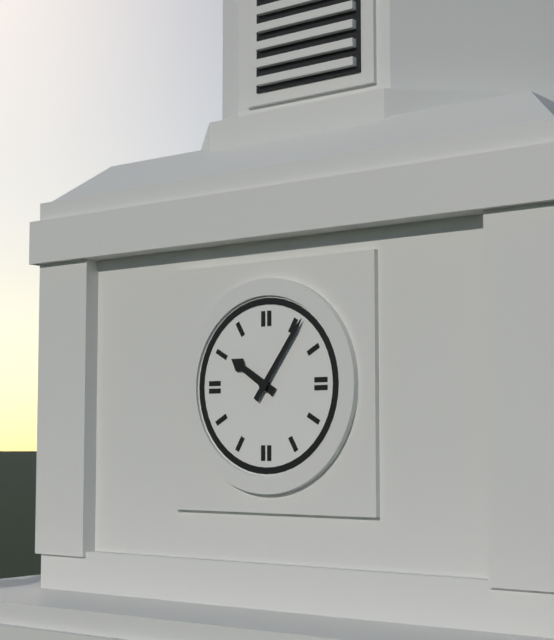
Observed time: 10:06
